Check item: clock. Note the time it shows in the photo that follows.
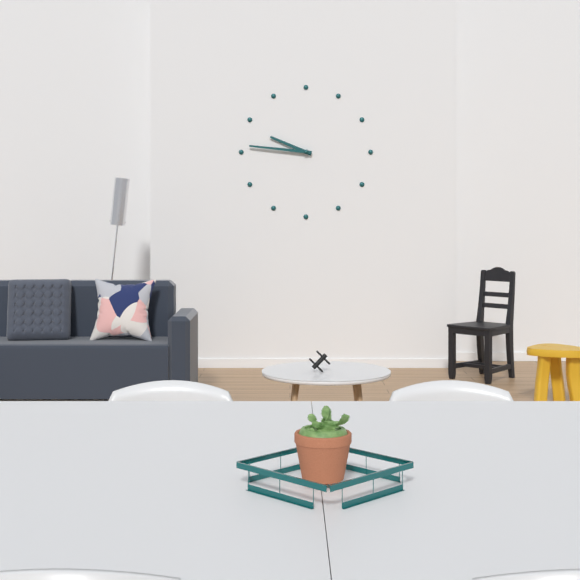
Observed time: 9:46
